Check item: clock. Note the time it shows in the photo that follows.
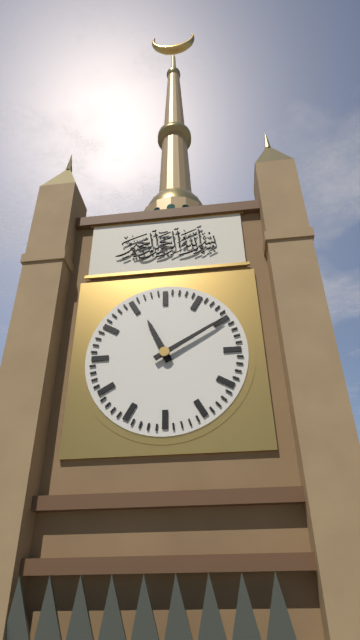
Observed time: 11:10
